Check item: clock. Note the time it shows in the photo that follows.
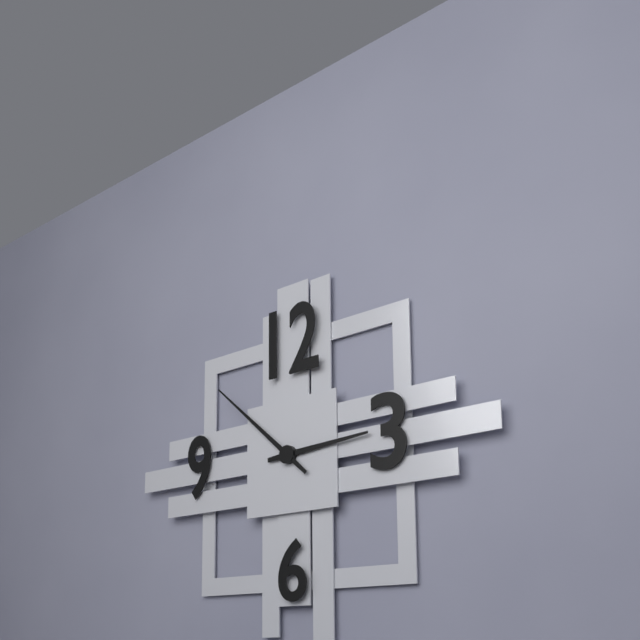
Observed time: 2:52
